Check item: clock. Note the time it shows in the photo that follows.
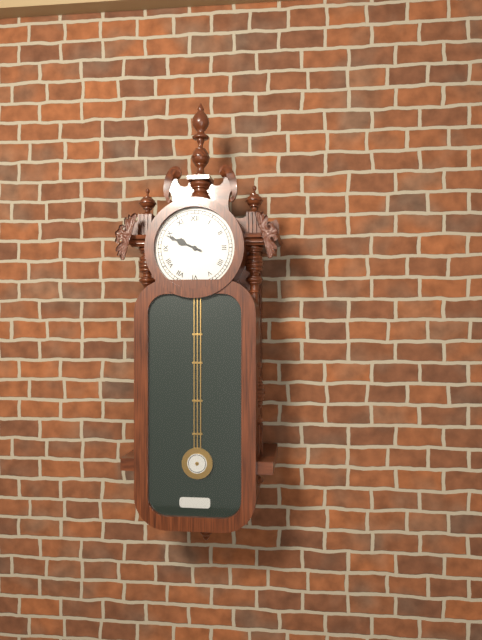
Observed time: 9:49
